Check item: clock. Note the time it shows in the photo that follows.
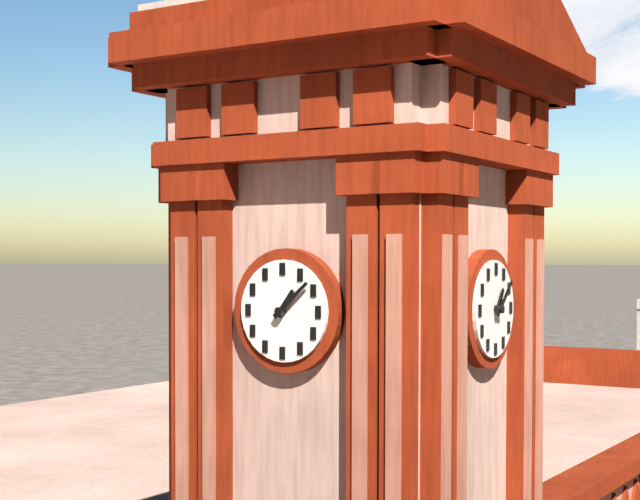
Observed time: 1:08
